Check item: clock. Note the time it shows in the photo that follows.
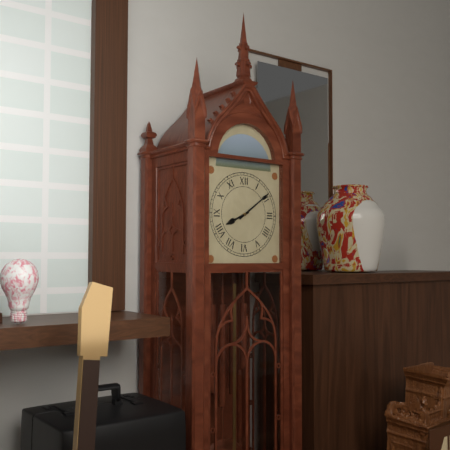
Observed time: 8:09
